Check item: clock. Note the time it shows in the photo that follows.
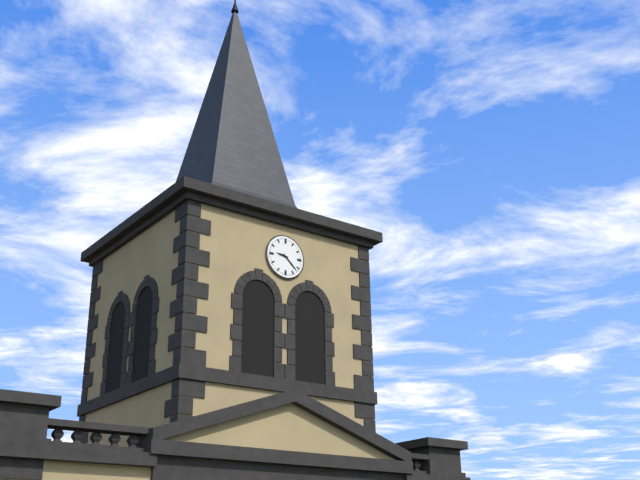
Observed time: 9:22
